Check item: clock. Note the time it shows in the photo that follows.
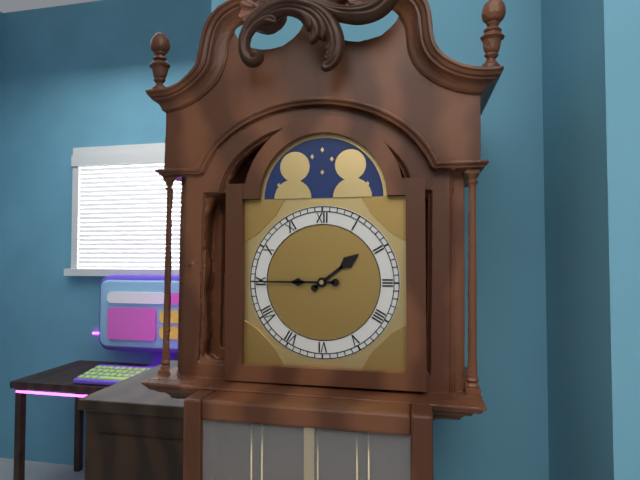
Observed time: 1:45
